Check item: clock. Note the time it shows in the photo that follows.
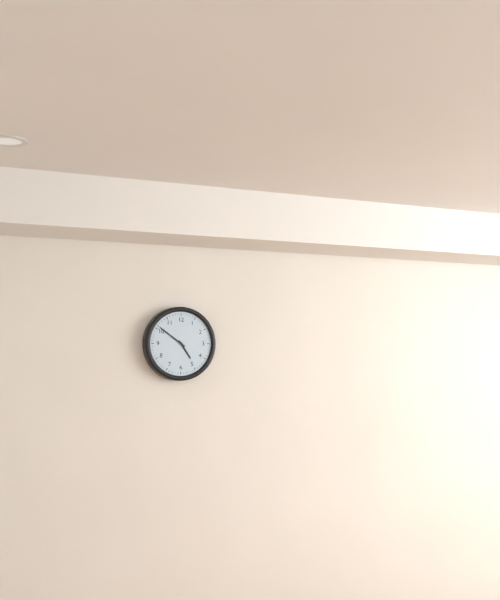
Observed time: 4:51
